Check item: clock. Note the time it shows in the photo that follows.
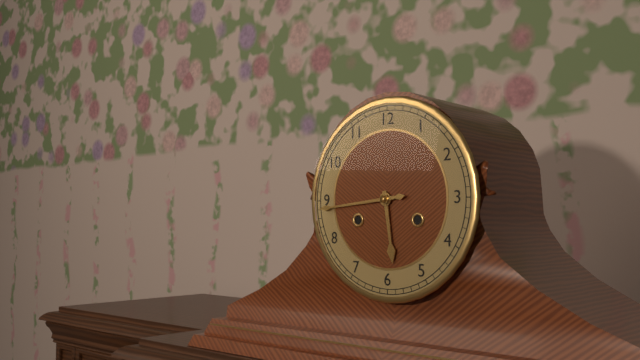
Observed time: 5:44
